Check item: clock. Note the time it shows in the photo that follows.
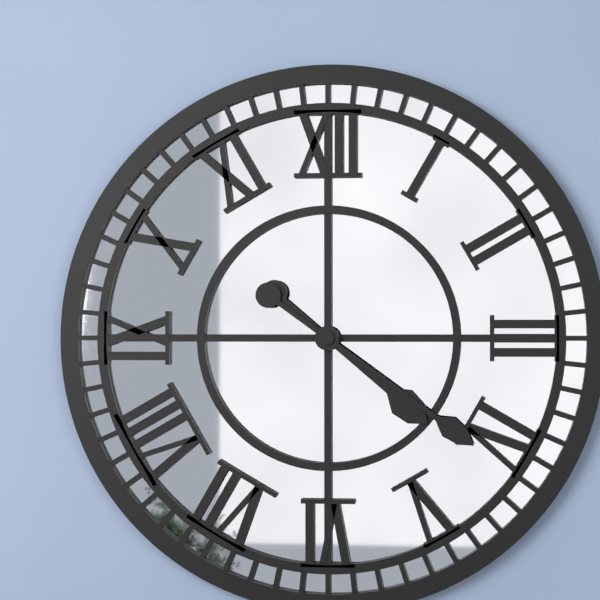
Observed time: 4:21
